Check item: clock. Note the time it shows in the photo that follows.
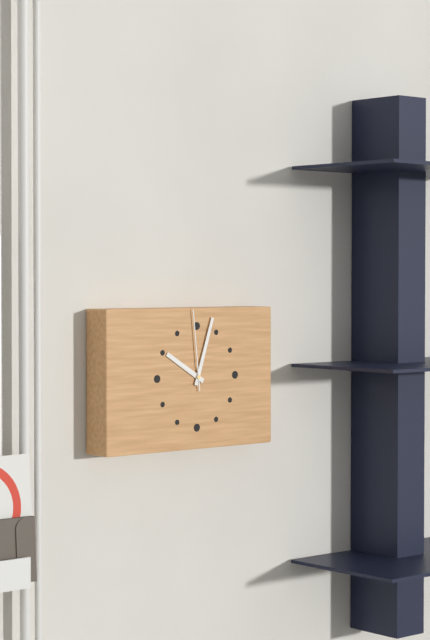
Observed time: 10:03:59
